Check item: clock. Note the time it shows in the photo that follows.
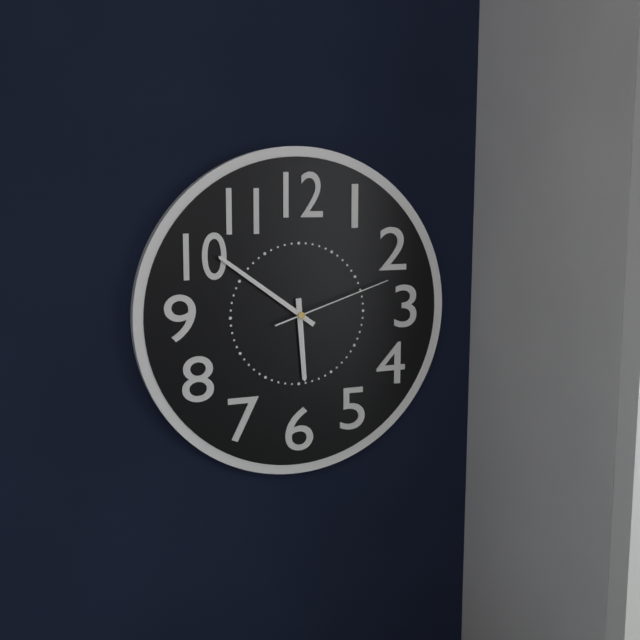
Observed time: 5:51:12
